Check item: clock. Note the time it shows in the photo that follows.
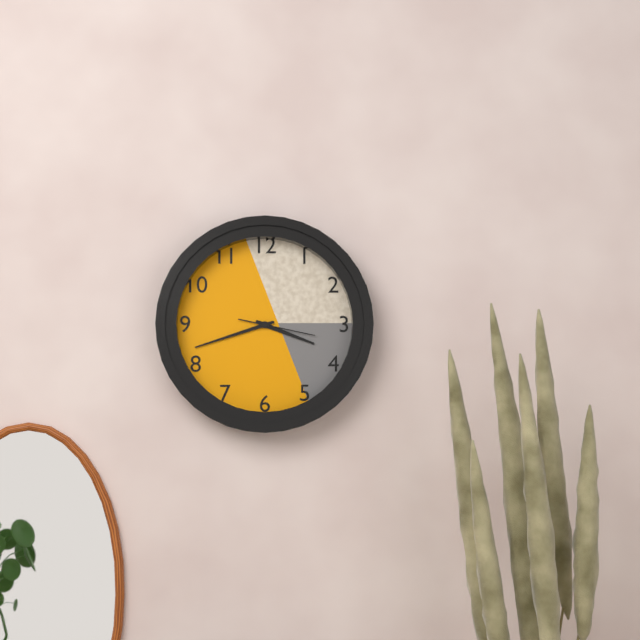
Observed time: 3:42:17
